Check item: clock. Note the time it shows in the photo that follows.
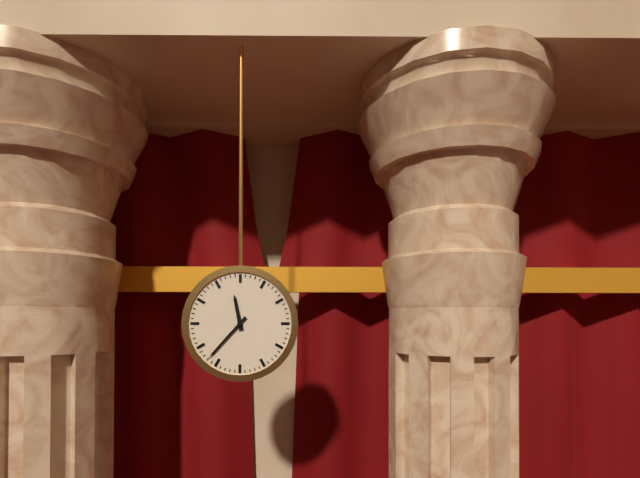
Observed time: 11:37
